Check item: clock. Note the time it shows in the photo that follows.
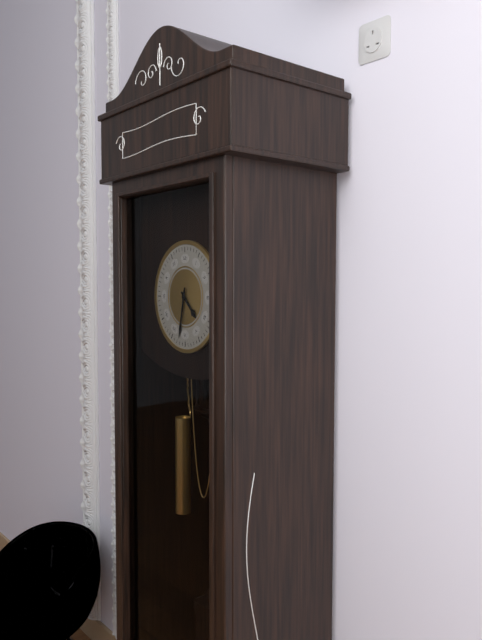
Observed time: 4:32
